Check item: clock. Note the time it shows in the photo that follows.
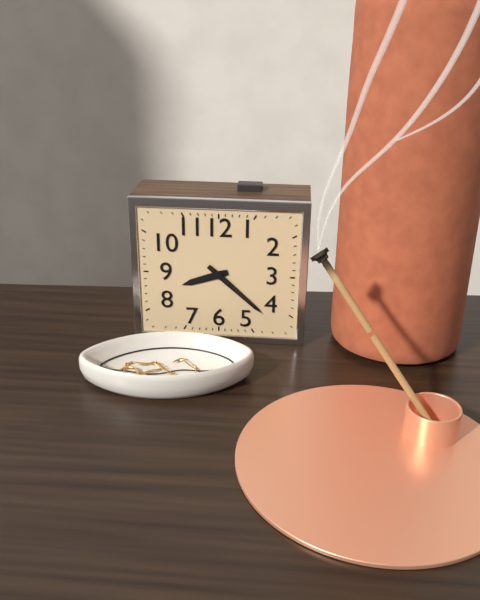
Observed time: 8:22
